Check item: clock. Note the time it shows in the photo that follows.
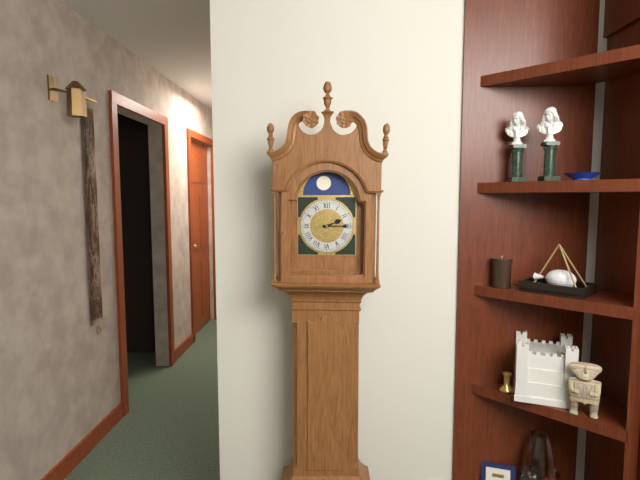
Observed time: 2:15
